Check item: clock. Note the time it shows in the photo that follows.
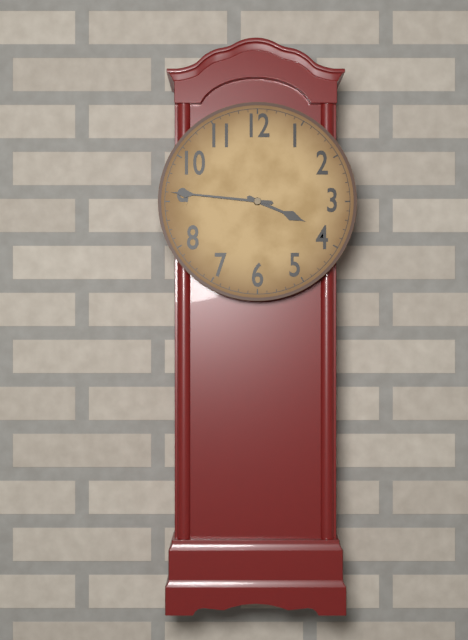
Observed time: 3:46
